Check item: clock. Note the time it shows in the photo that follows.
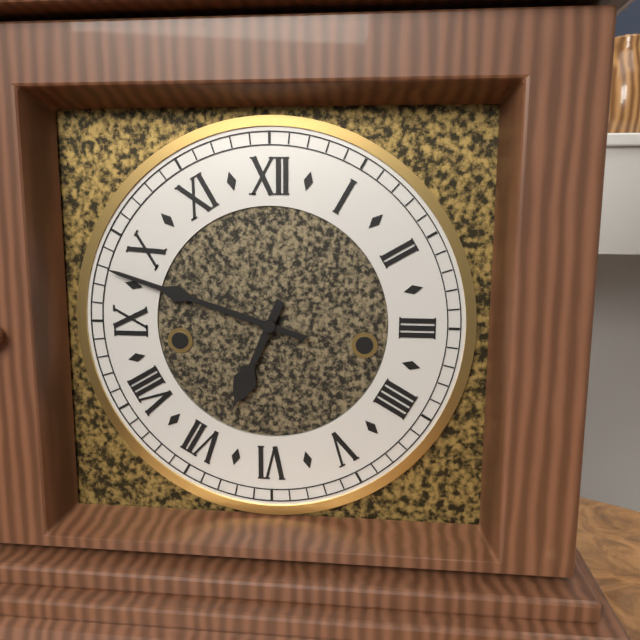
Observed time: 6:48
